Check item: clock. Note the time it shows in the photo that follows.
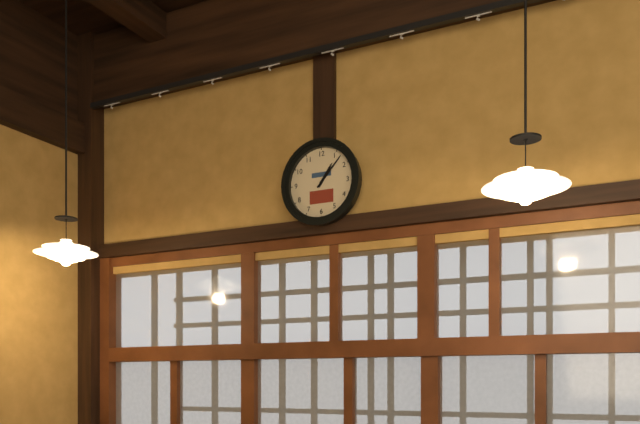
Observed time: 1:07
